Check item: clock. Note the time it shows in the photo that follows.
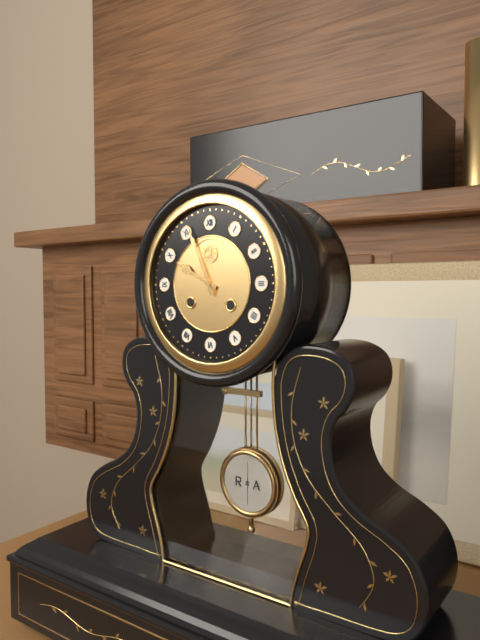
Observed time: 9:56
